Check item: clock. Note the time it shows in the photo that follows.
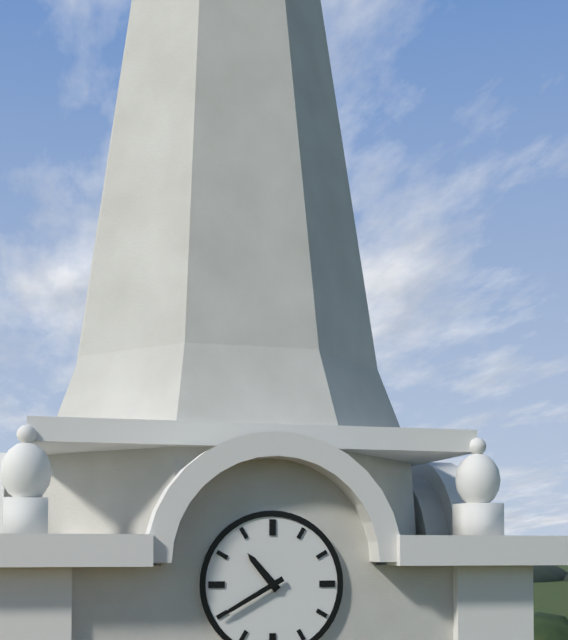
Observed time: 10:40
